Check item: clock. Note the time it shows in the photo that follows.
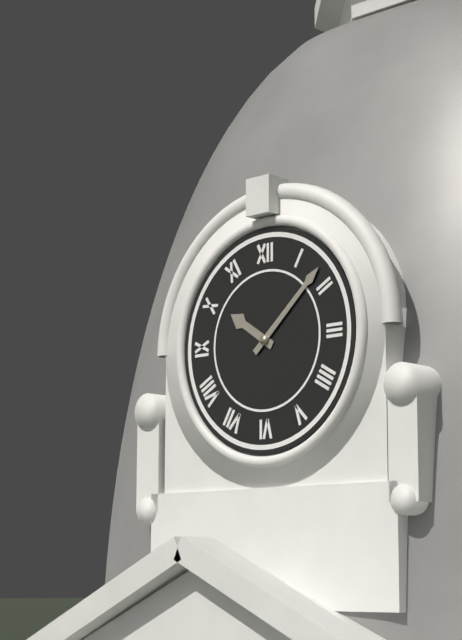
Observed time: 10:08
